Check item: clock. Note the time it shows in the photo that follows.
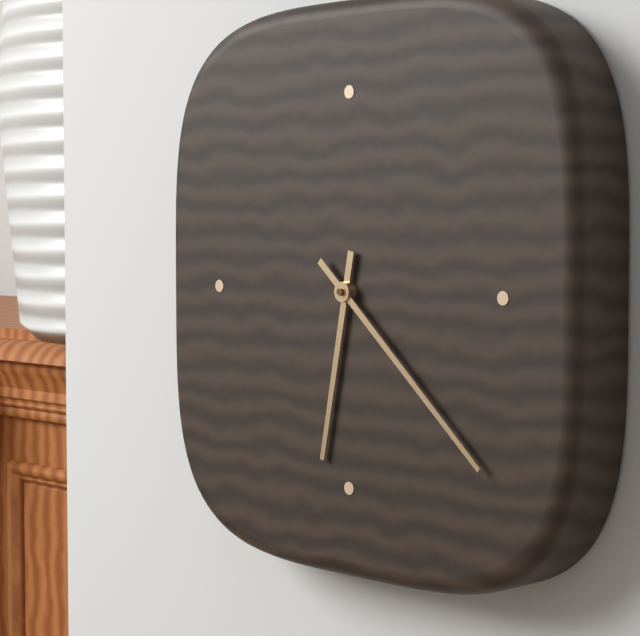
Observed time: 6:22
